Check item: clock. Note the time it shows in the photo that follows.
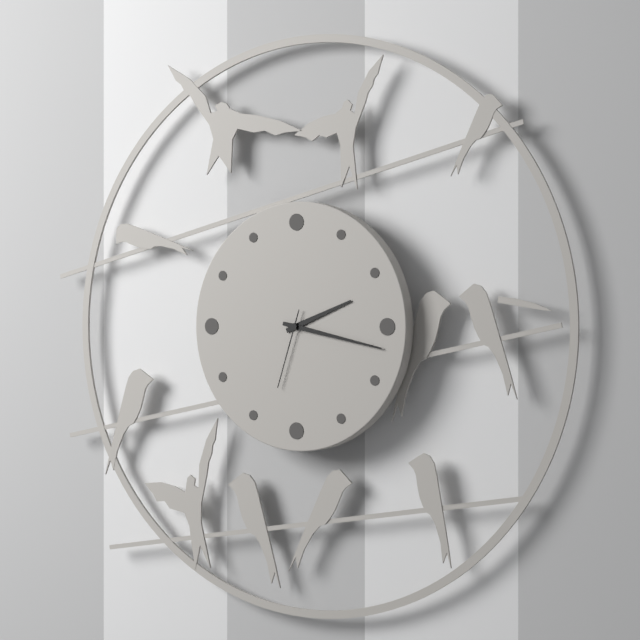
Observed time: 2:17:33
